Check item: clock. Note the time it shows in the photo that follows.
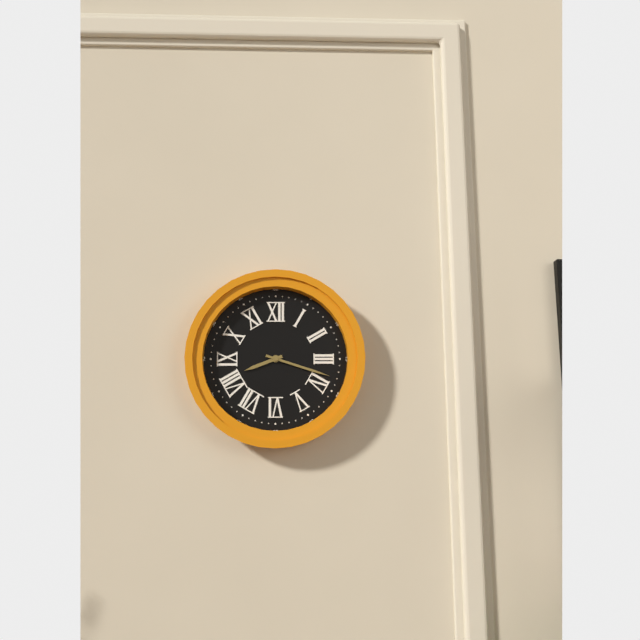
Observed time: 8:18
